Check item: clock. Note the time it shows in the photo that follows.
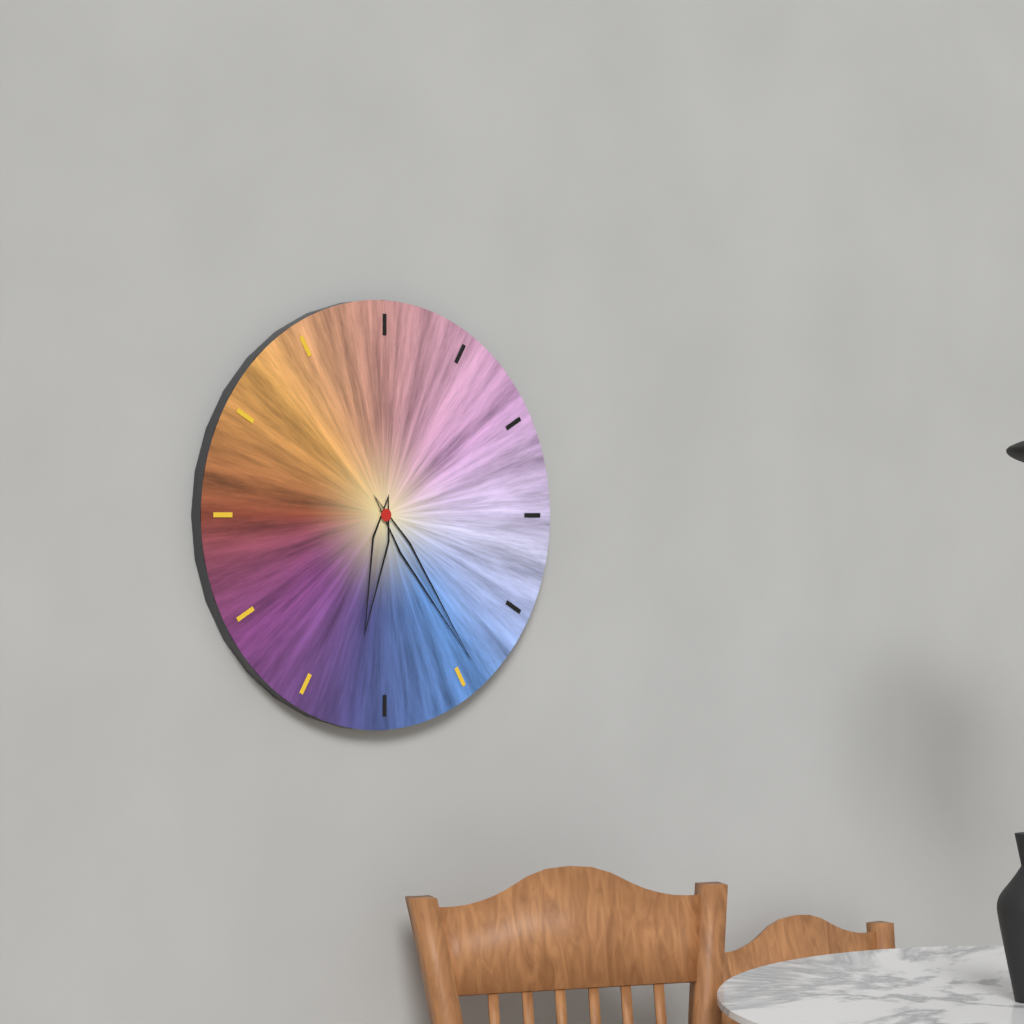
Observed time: 6:24
